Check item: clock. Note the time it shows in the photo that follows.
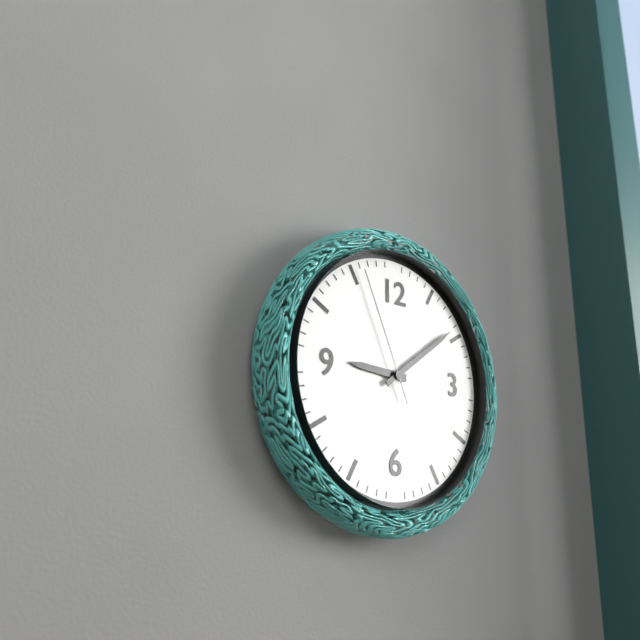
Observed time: 9:09:56
